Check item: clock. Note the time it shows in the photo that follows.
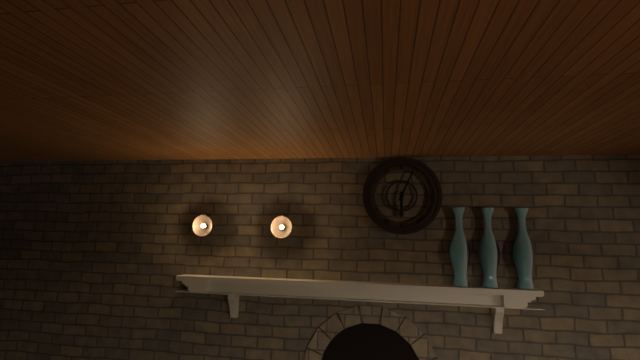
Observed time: 6:04
